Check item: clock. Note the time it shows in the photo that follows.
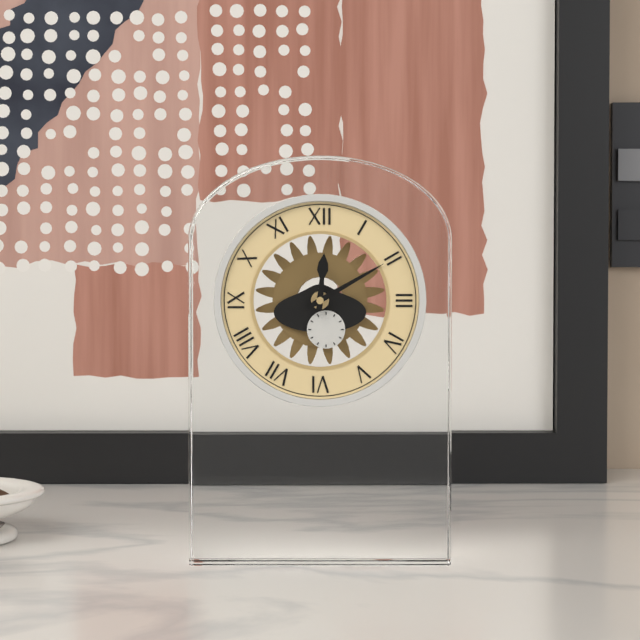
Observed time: 12:10
